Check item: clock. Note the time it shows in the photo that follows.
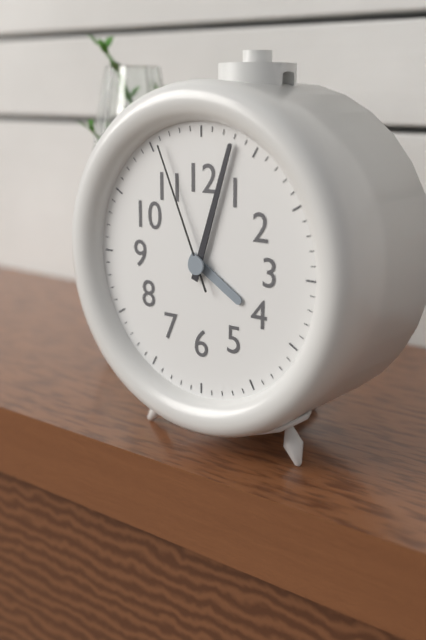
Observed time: 4:03:56
